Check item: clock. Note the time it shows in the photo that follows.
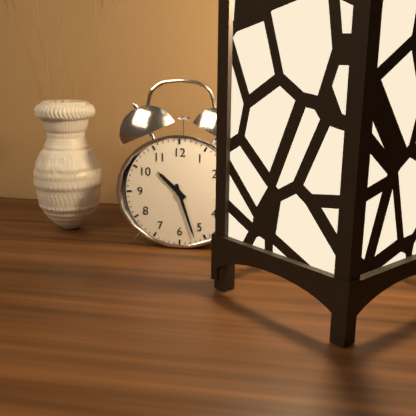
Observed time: 10:27
